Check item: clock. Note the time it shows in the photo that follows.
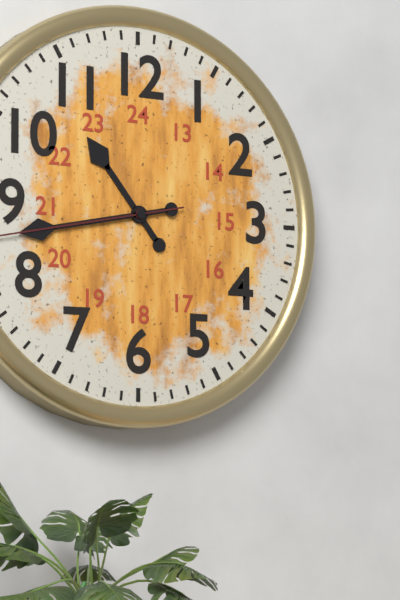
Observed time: 10:43
